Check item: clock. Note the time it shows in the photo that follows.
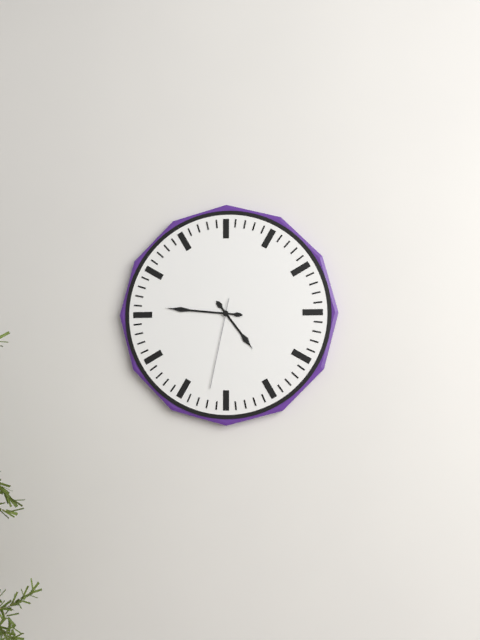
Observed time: 4:46:32
